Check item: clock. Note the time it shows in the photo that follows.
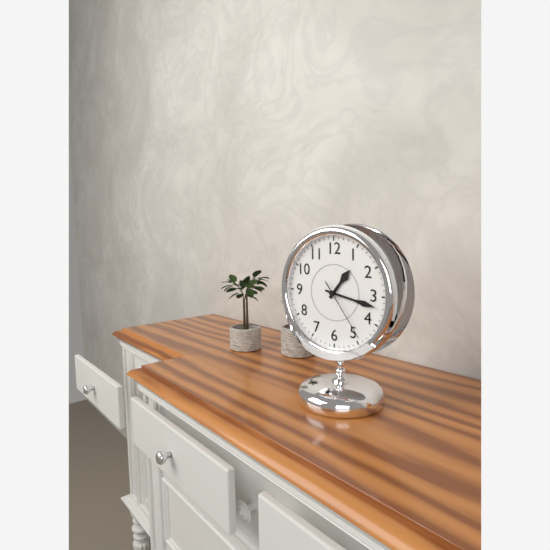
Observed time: 1:17:24
